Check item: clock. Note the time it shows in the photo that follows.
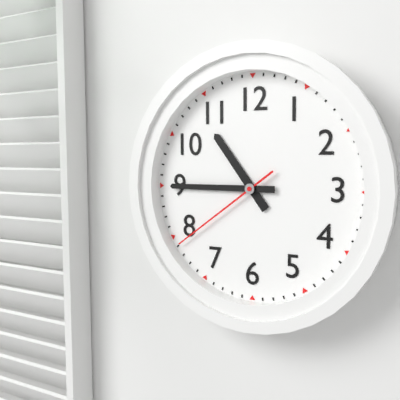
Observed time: 10:45:39
